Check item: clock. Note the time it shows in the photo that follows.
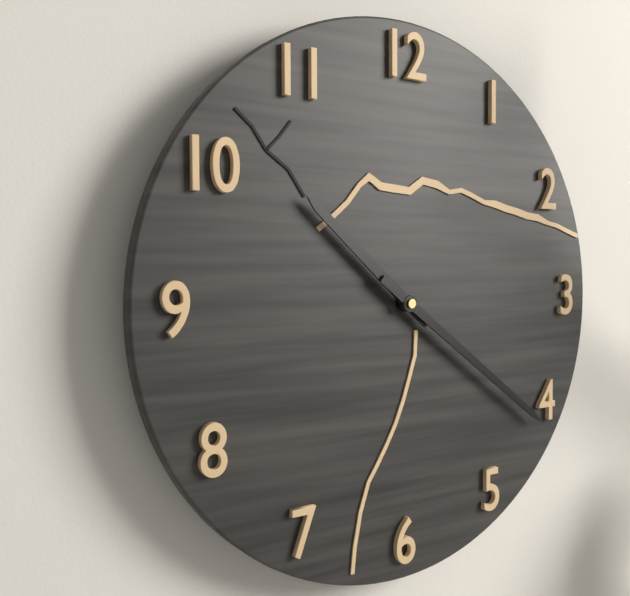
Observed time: 10:21
